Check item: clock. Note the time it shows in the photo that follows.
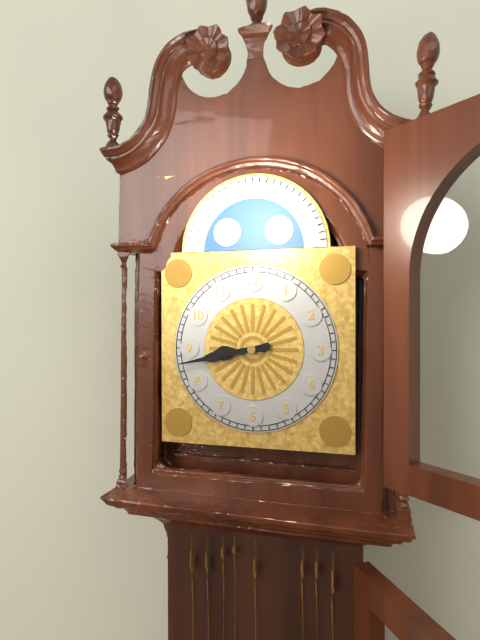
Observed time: 8:43
